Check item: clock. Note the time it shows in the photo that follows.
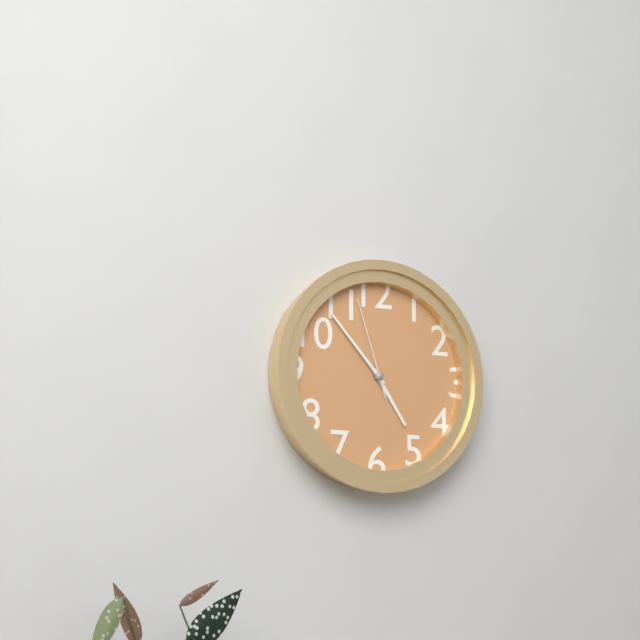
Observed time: 4:53:57
